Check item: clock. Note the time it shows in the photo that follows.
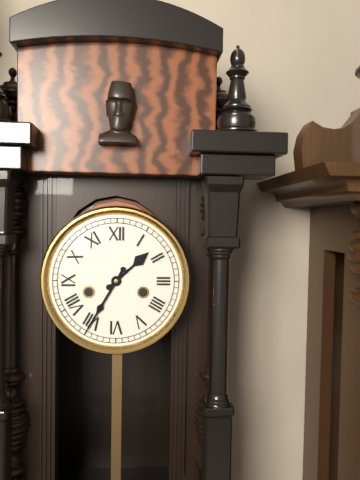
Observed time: 1:35
